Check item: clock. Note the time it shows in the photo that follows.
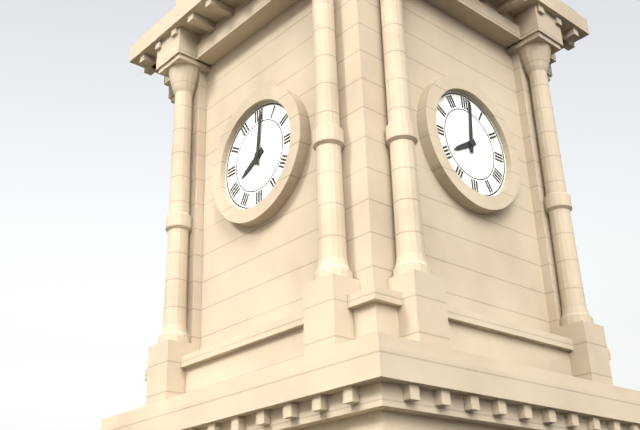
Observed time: 8:01
